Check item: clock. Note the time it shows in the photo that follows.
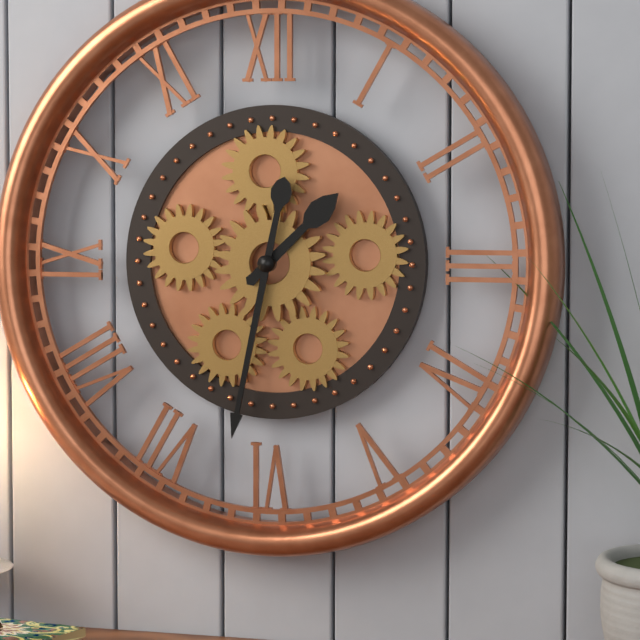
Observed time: 1:32
